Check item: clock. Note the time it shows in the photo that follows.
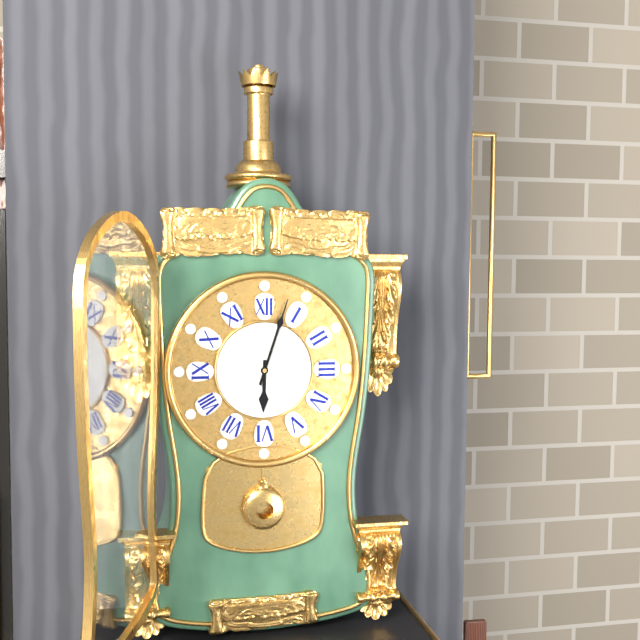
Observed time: 6:03
